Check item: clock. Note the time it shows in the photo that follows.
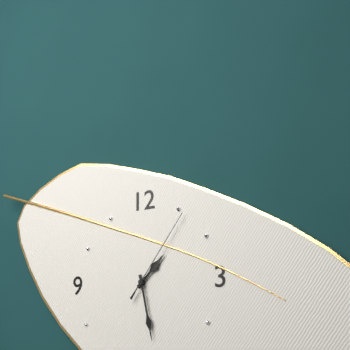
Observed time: 1:28:06
